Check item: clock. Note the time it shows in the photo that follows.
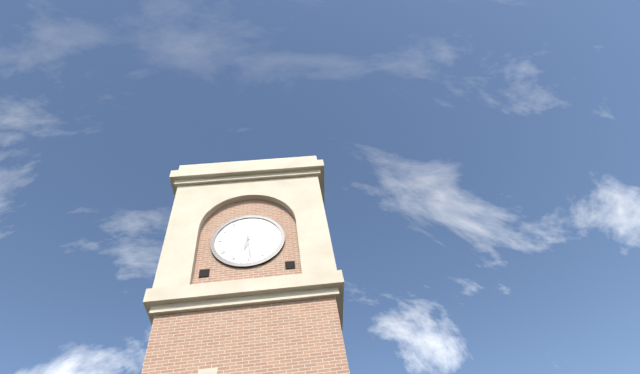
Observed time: 6:29
